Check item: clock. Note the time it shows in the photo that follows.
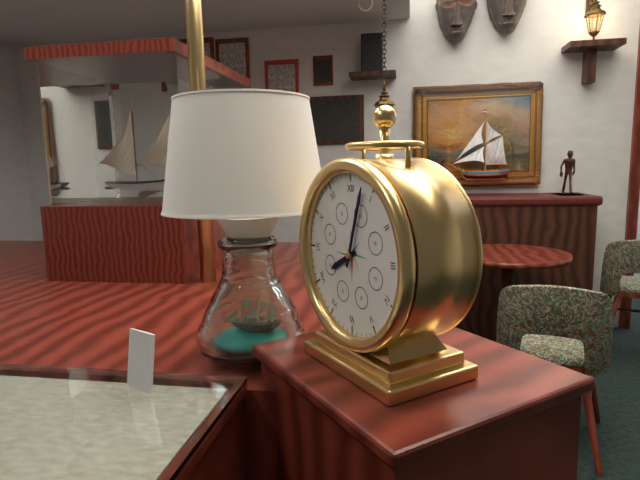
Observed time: 8:03
